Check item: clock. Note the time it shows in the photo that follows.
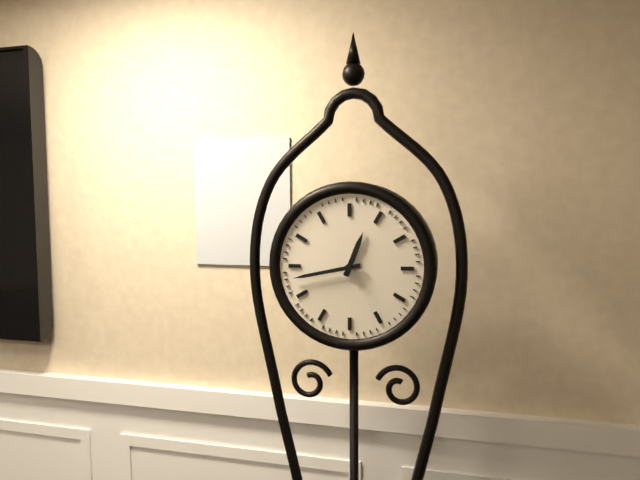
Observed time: 12:43
